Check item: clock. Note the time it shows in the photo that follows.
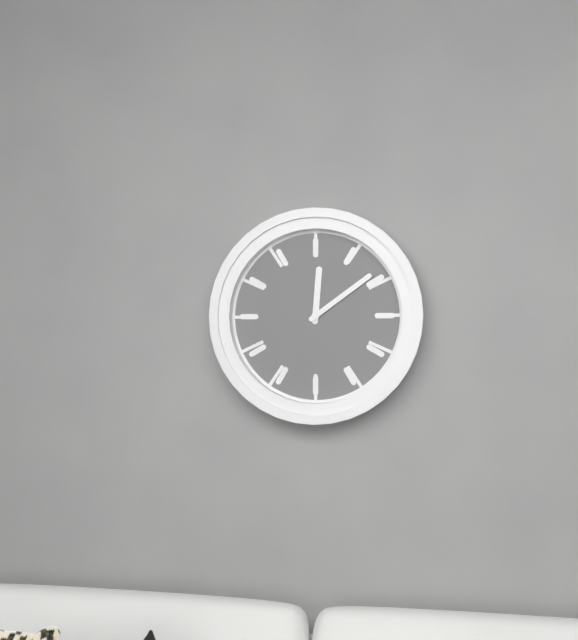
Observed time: 12:09
